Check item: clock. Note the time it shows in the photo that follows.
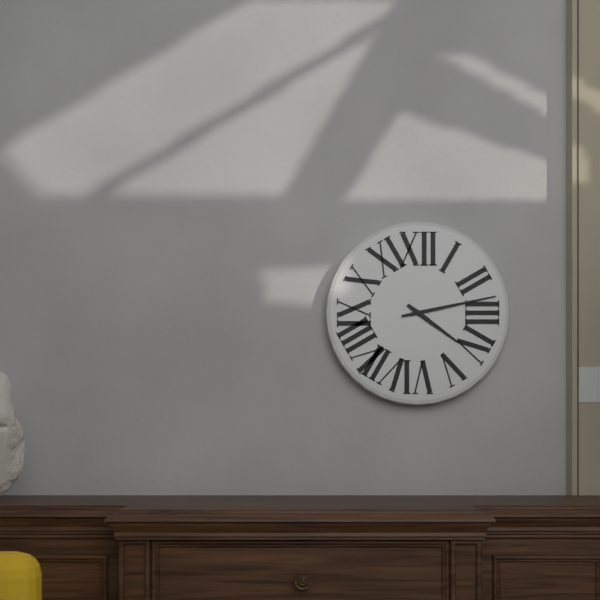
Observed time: 4:13
